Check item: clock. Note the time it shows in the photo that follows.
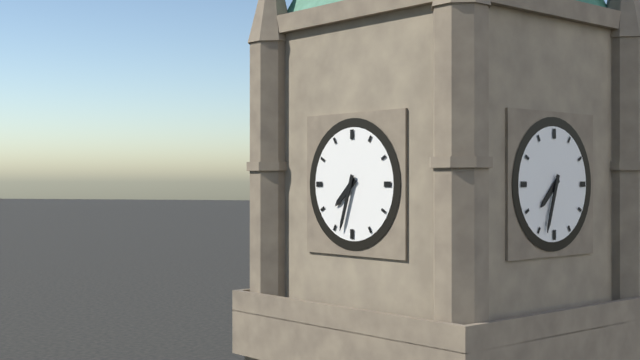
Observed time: 7:33
